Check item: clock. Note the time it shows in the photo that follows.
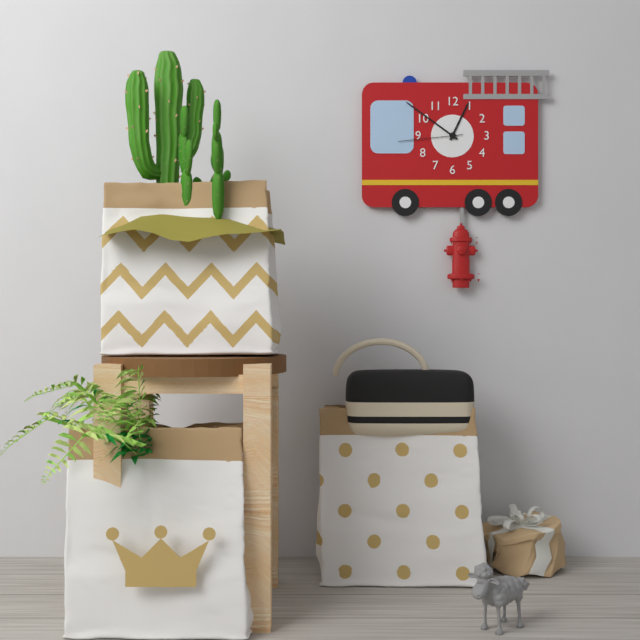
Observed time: 12:51:44
